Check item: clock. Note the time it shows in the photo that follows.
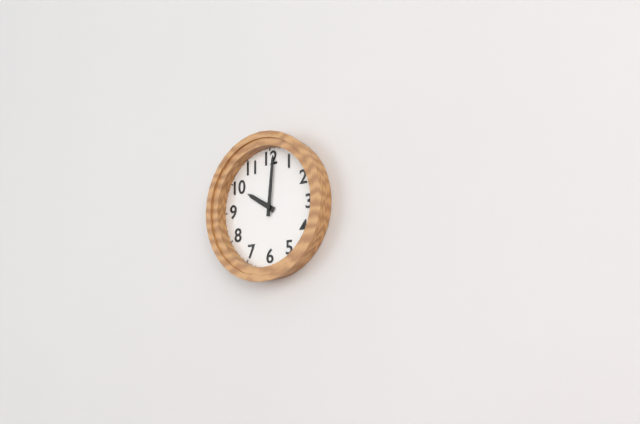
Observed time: 10:01
